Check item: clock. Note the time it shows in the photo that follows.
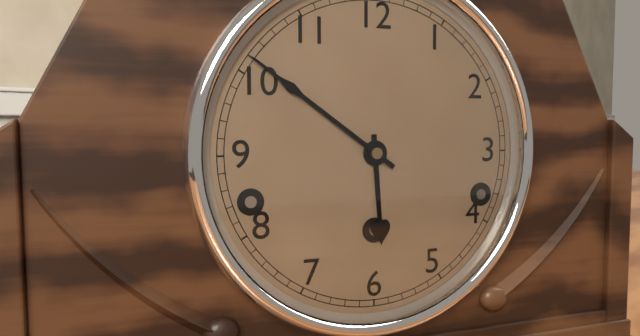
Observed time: 5:51
